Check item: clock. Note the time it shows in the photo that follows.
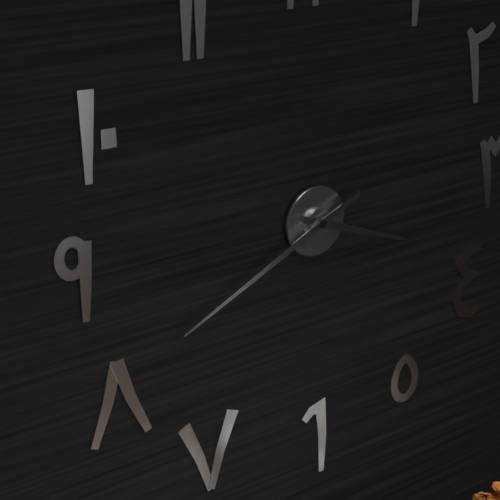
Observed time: 3:41
